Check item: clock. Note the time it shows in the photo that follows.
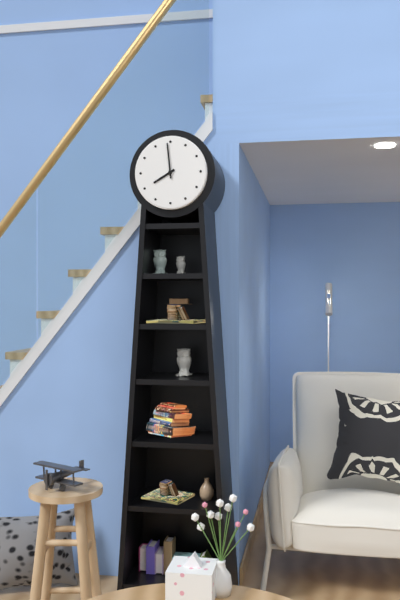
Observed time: 7:59
